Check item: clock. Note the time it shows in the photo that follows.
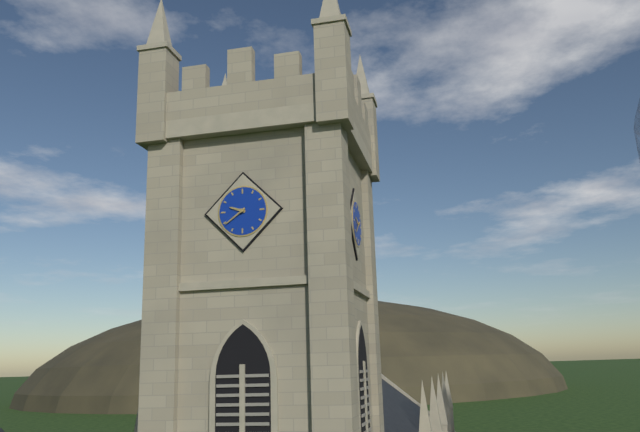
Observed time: 9:39
